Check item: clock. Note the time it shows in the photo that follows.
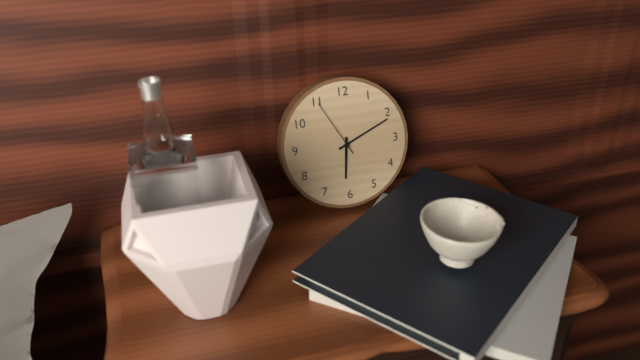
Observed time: 6:11:55
